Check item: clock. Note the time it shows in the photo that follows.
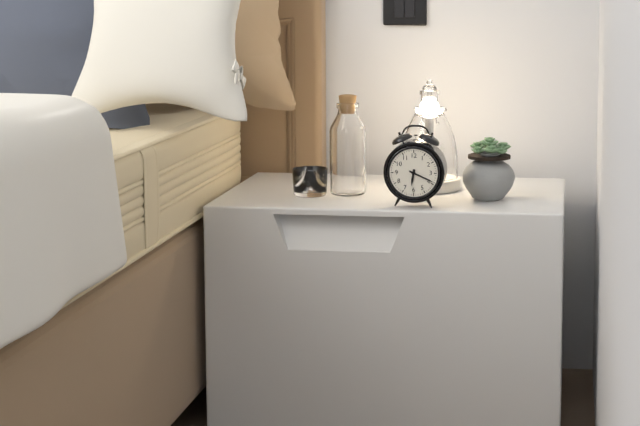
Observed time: 6:19
